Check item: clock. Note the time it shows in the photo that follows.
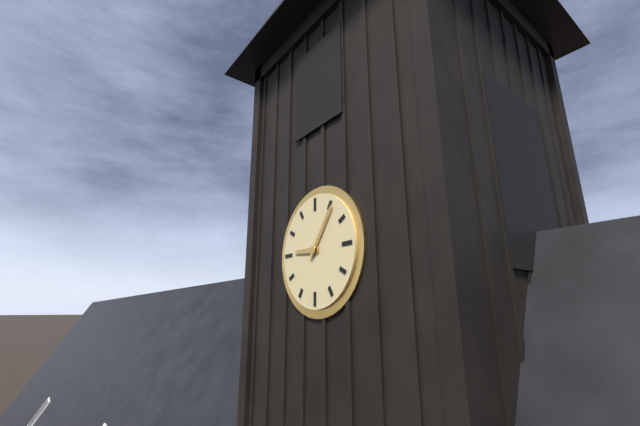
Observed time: 9:06
